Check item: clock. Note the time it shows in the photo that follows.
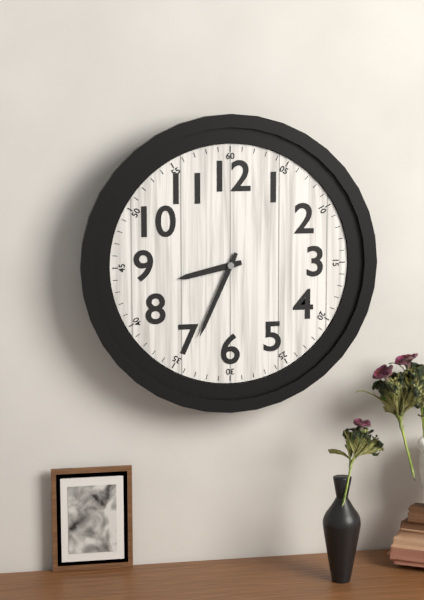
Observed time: 8:34
